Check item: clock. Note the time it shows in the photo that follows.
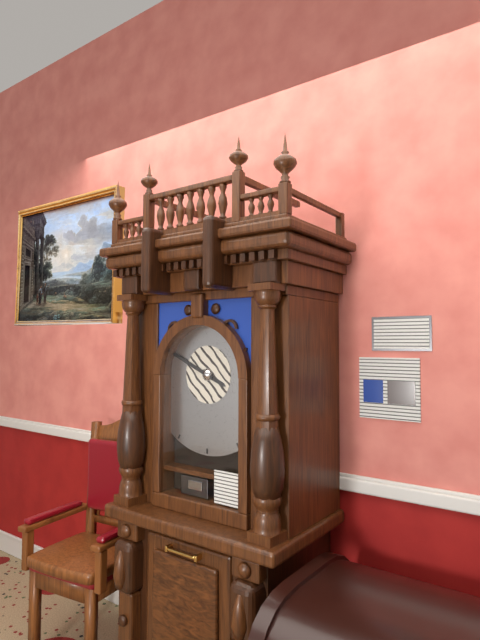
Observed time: 3:49
